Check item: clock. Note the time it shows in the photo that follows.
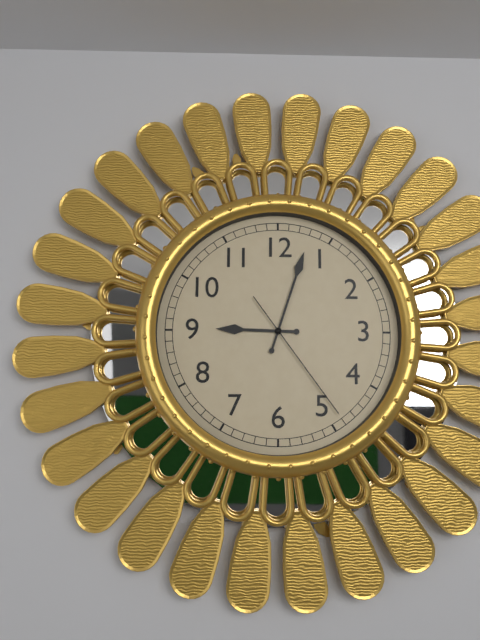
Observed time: 9:03:24
